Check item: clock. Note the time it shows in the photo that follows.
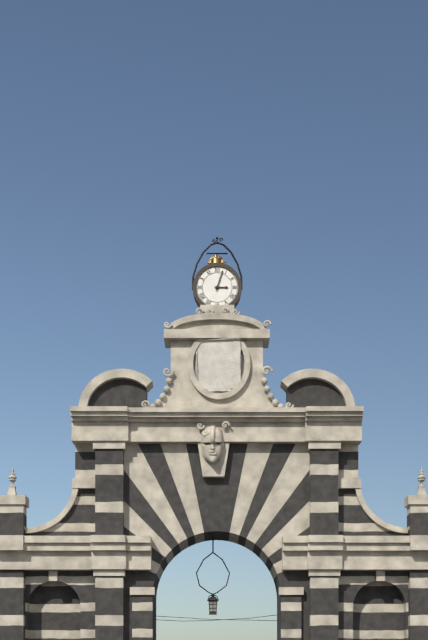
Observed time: 3:03
